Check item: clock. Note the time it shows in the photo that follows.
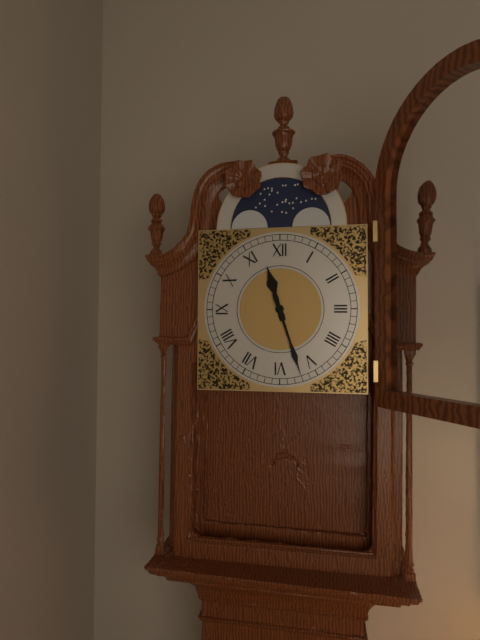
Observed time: 11:27
